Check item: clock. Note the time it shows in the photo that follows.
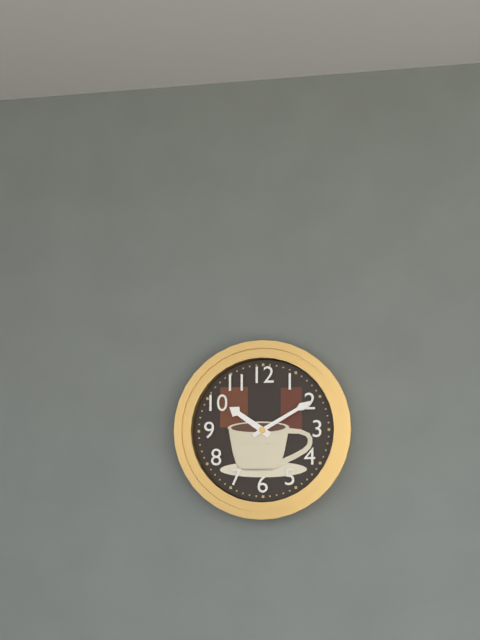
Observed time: 10:10
